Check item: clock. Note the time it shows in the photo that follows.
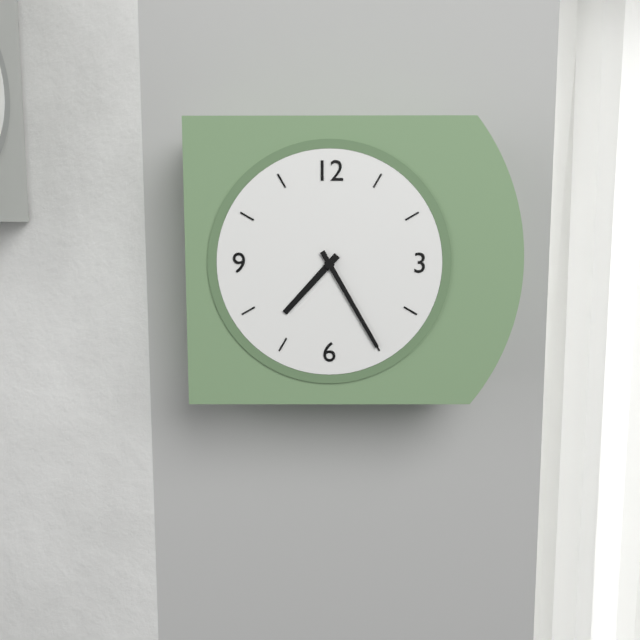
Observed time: 7:25
